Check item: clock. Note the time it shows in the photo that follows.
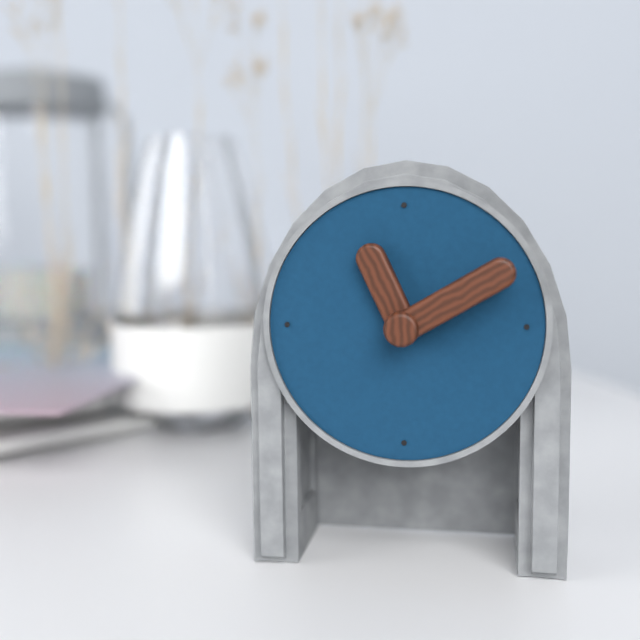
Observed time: 11:10
